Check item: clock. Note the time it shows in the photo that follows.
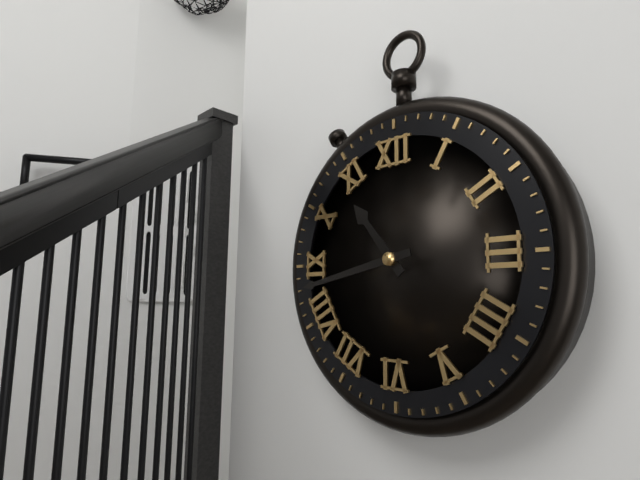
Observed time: 10:43
